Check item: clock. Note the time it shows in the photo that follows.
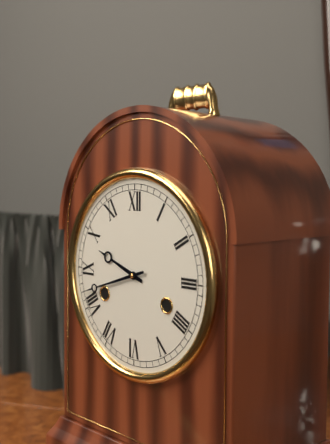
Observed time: 9:42
